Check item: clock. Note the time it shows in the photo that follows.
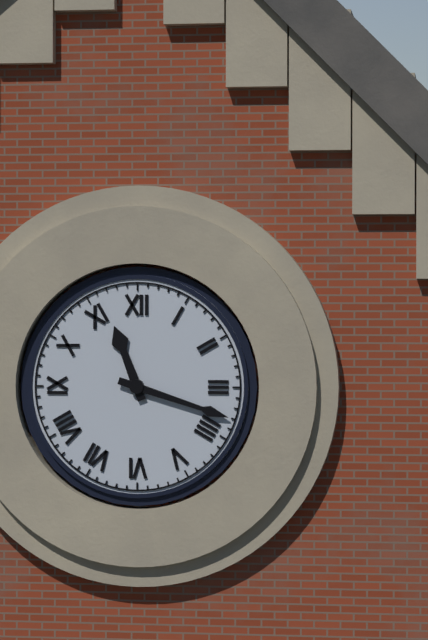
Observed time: 11:18
